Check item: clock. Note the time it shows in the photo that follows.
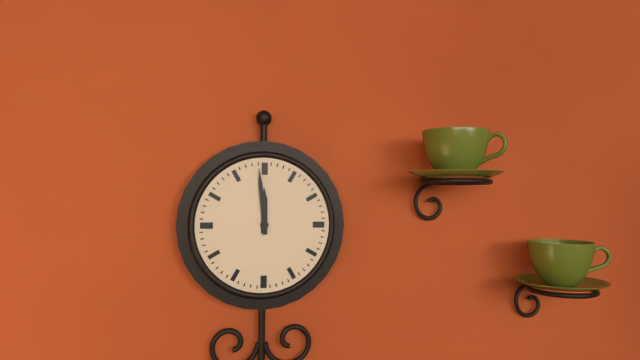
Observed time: 11:59
